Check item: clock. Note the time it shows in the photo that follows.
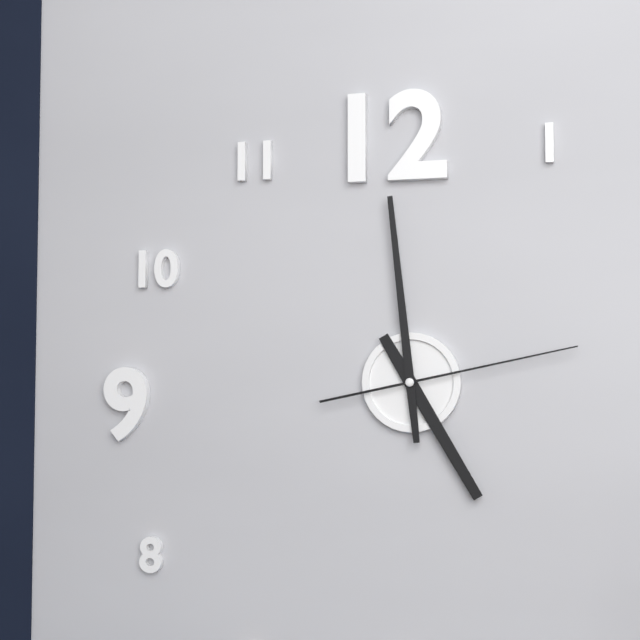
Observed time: 4:59:13
